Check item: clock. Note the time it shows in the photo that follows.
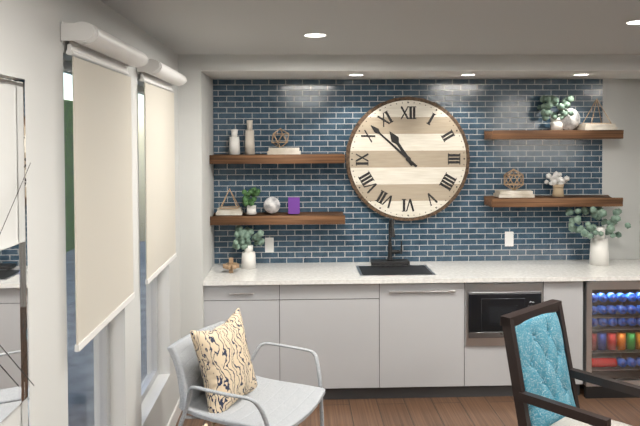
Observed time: 10:52
